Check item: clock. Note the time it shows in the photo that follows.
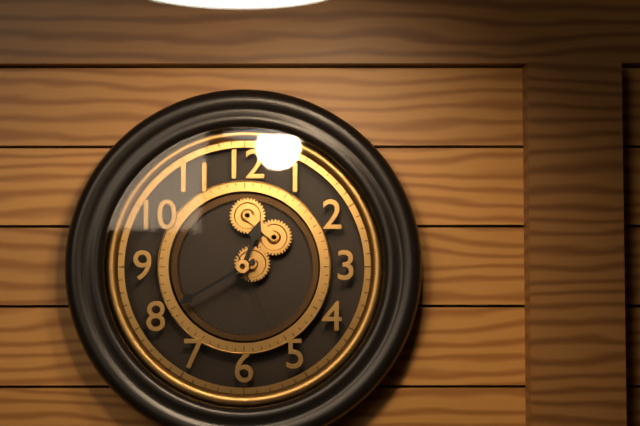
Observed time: 12:40:26
